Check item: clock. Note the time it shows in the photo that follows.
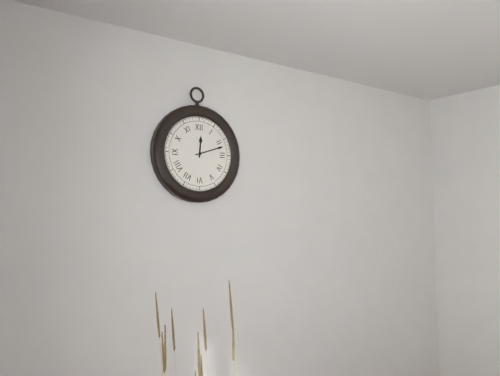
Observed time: 12:12
